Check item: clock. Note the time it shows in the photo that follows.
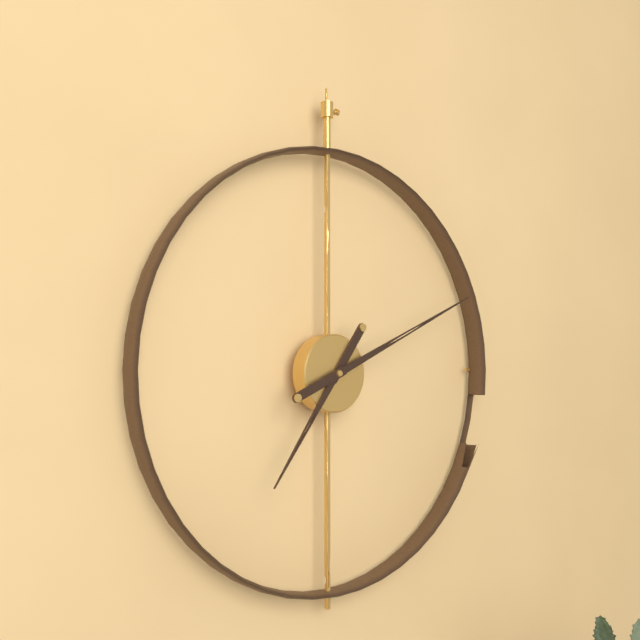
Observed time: 7:11
